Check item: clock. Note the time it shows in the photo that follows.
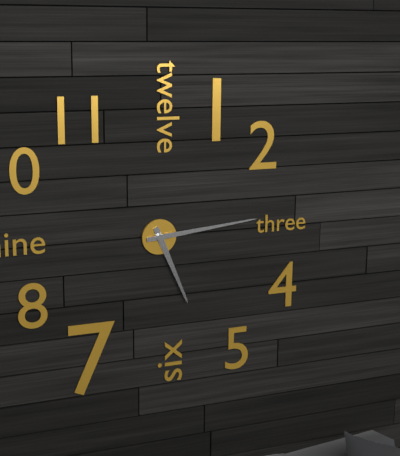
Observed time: 5:14
